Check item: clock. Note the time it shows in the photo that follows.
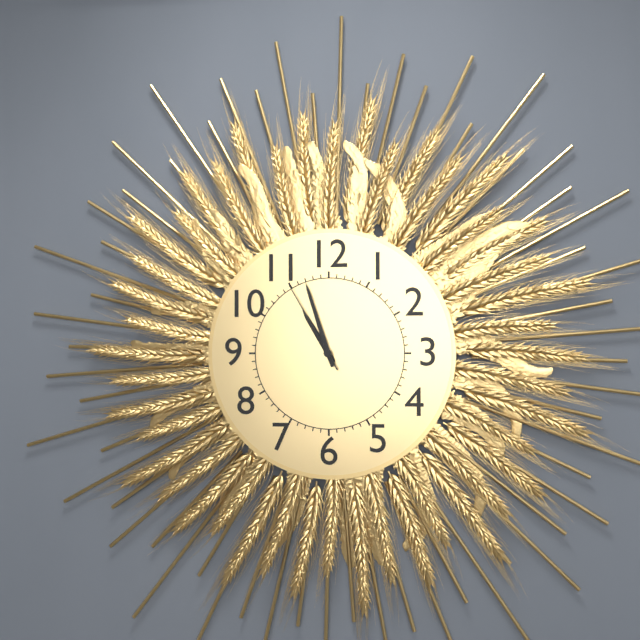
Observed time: 10:57:55
